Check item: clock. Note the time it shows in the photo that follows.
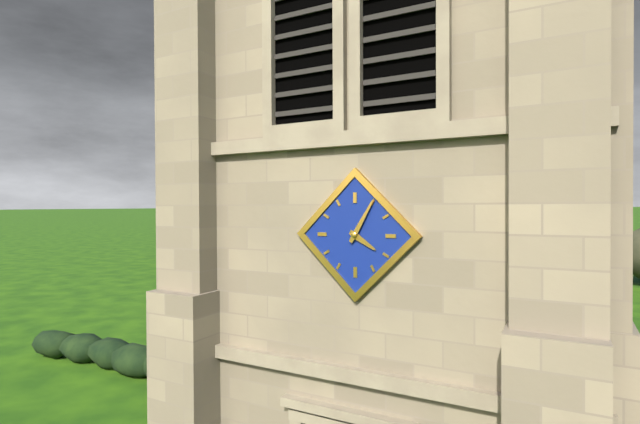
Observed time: 4:05
